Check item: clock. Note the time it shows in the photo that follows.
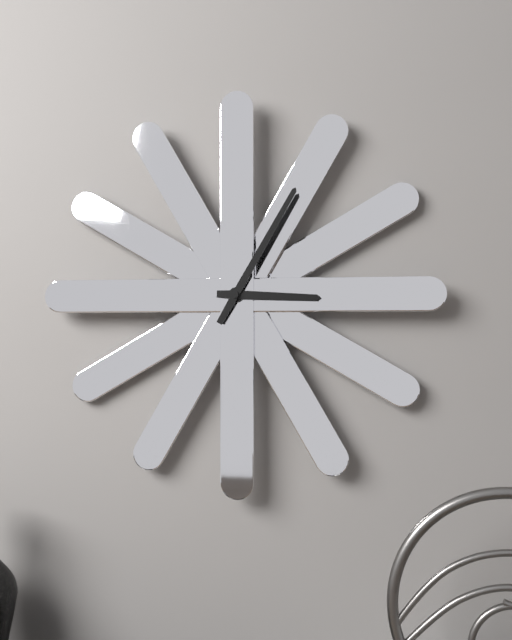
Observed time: 3:05
